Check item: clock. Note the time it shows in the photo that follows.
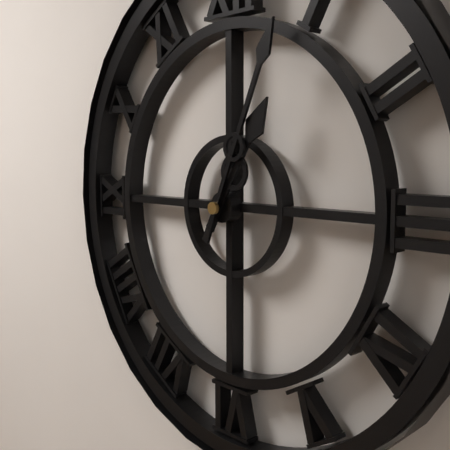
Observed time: 1:04
